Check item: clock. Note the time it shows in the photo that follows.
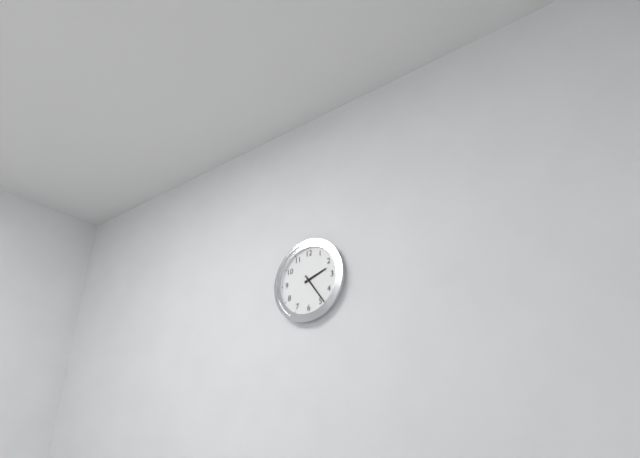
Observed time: 2:24
